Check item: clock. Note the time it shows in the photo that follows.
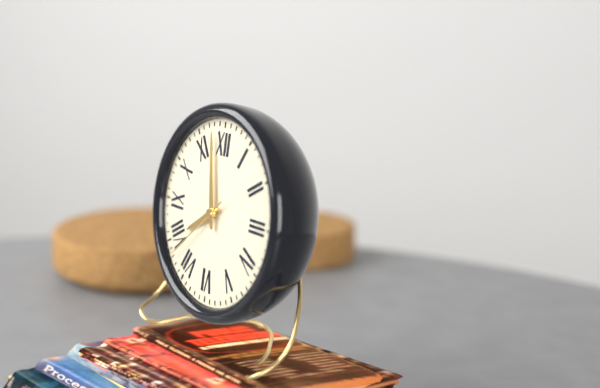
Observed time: 7:58:38
